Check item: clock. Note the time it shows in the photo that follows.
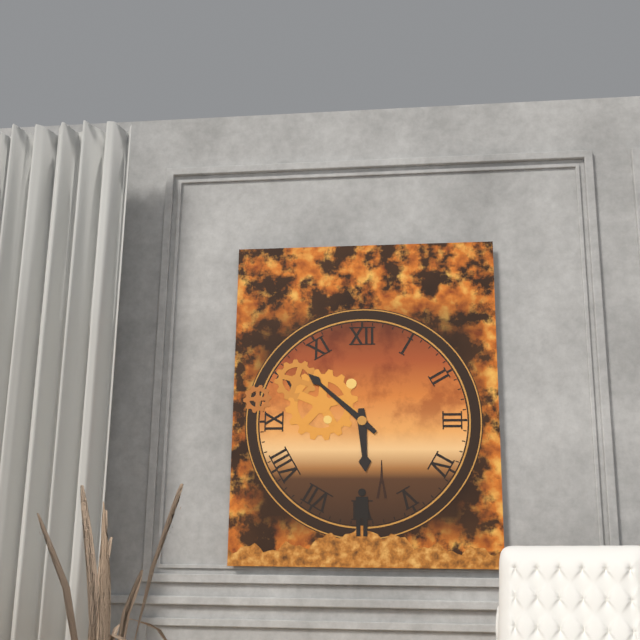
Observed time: 5:52
